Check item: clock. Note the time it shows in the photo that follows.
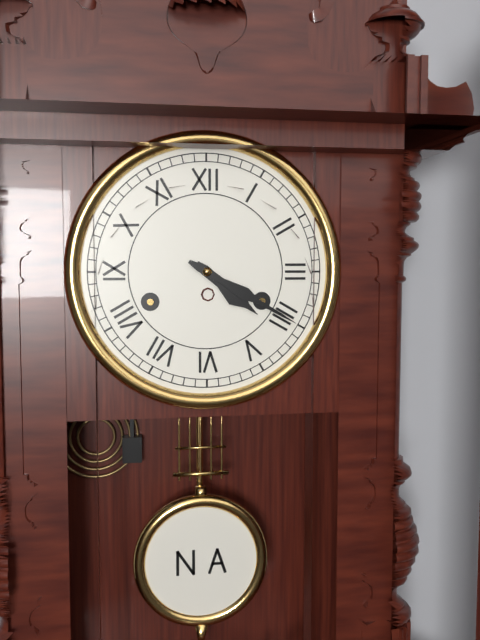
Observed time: 4:20
